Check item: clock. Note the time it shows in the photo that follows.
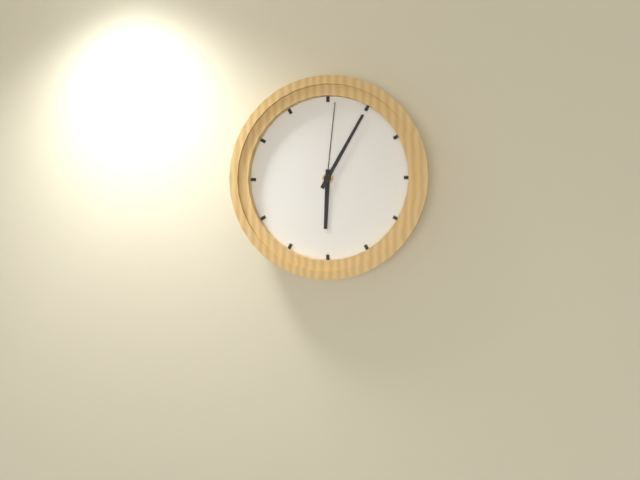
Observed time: 6:05:01
